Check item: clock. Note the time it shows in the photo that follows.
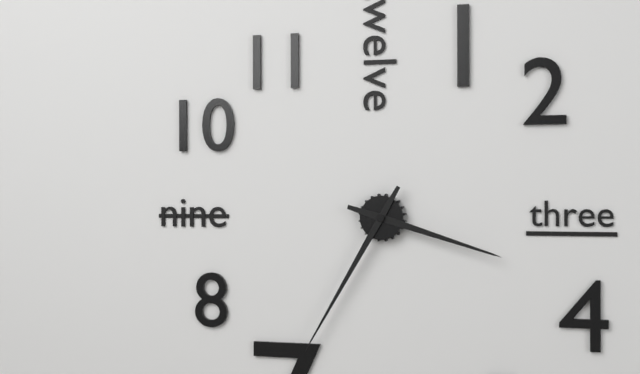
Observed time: 3:35
